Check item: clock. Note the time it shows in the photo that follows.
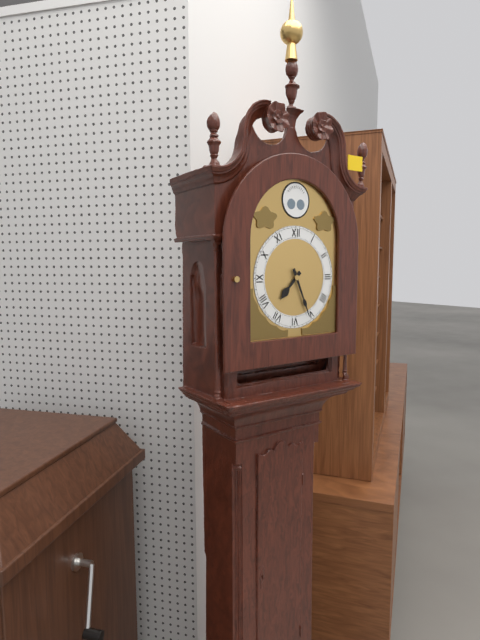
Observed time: 7:26
